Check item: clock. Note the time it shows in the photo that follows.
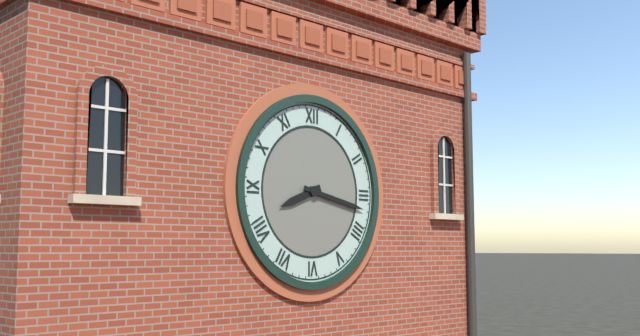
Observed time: 8:17
